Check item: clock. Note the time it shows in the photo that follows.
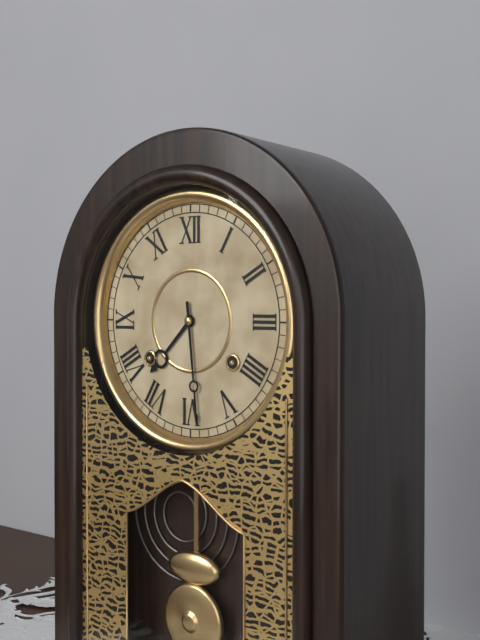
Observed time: 7:29
